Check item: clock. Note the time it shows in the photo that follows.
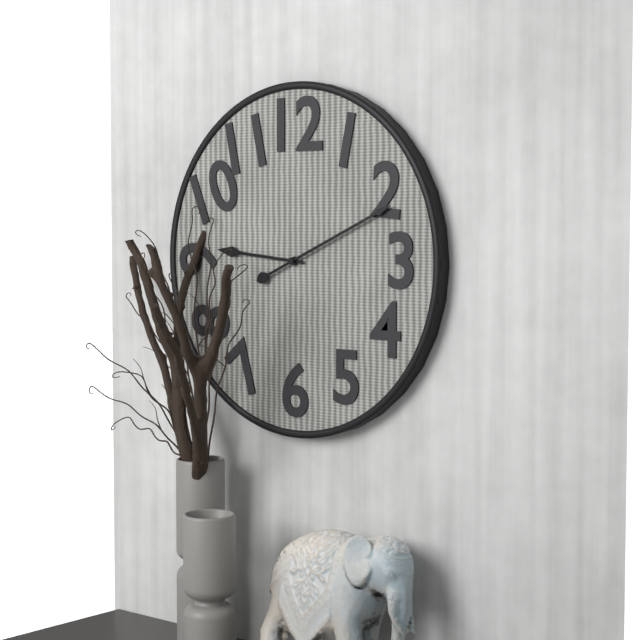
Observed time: 9:11
